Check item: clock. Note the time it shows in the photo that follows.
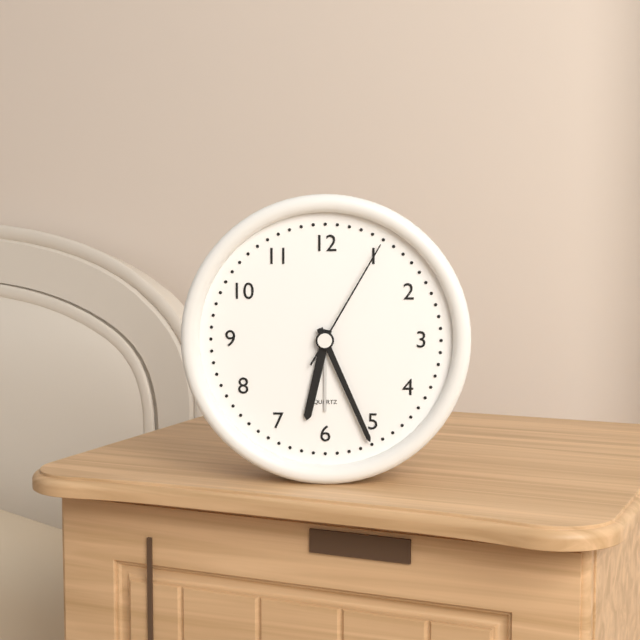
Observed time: 6:26:05
